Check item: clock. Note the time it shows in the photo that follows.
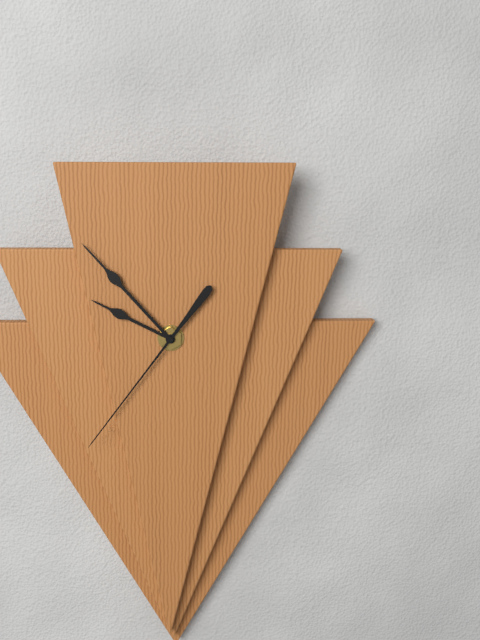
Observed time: 9:53:36
